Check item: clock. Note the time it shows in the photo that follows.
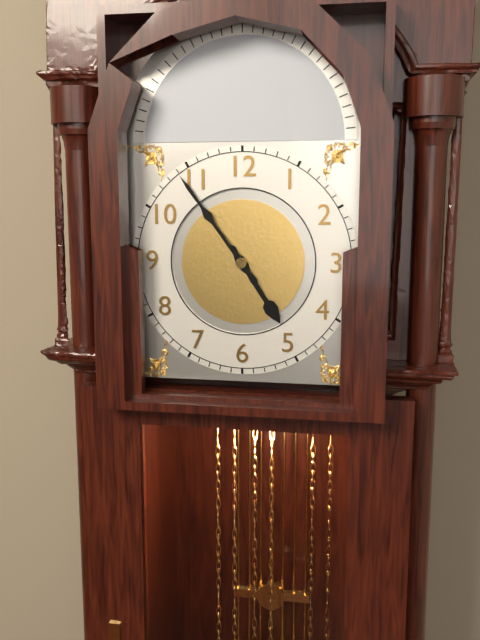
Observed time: 4:54
